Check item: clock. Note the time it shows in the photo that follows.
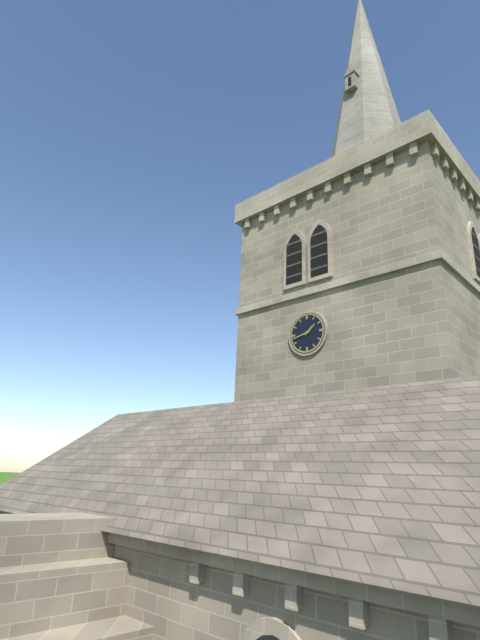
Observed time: 1:43
